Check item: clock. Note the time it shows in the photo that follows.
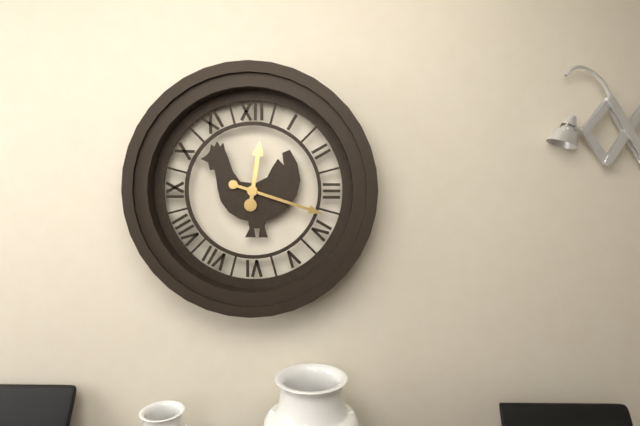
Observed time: 12:18
